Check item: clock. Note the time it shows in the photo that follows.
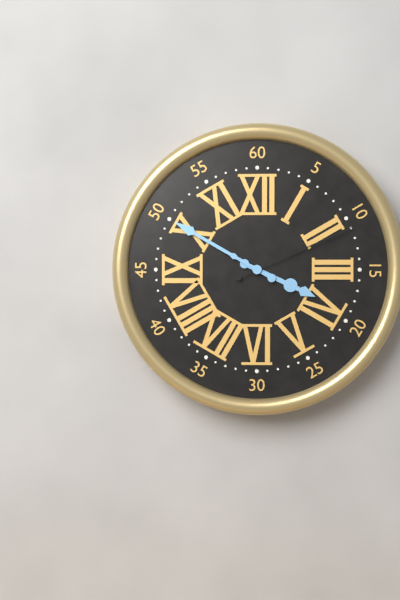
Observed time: 3:50:11
